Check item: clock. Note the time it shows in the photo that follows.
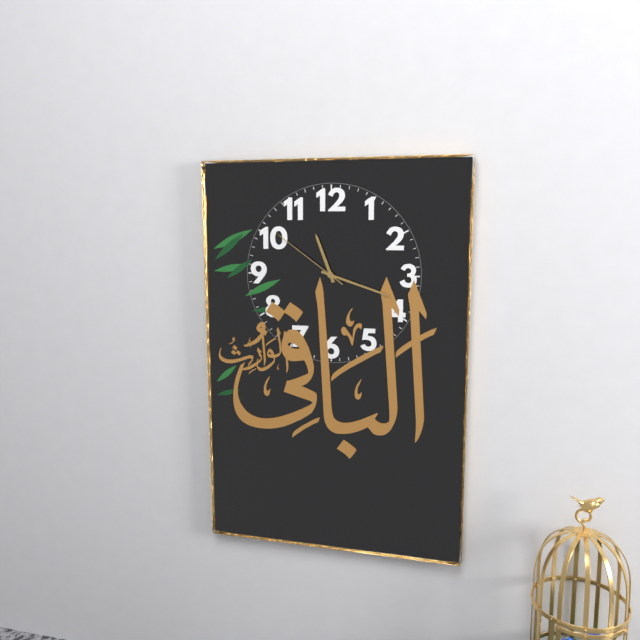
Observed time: 11:18:51
